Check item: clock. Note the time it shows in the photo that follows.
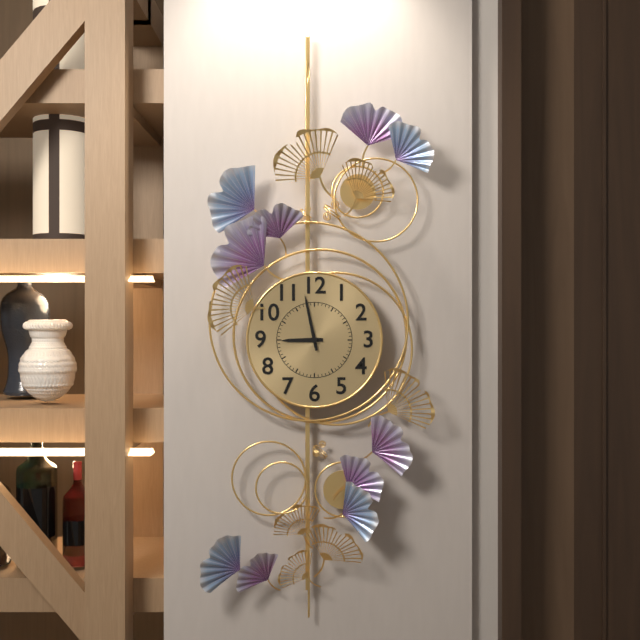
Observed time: 8:58
